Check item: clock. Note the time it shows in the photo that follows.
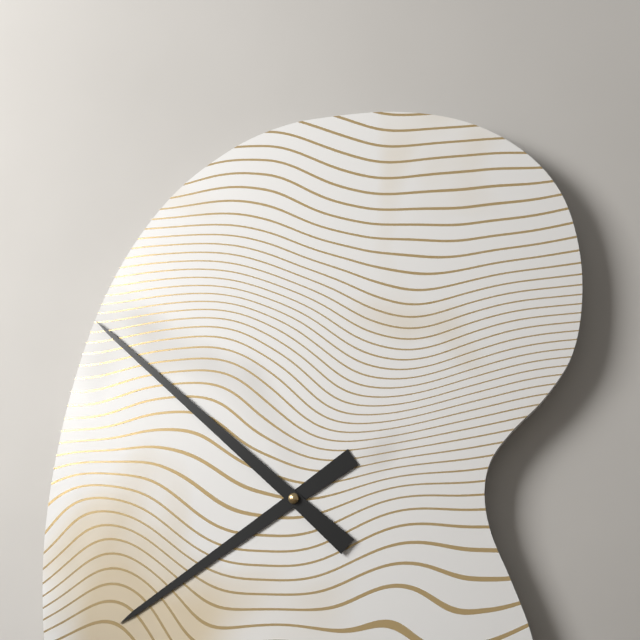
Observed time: 7:52
